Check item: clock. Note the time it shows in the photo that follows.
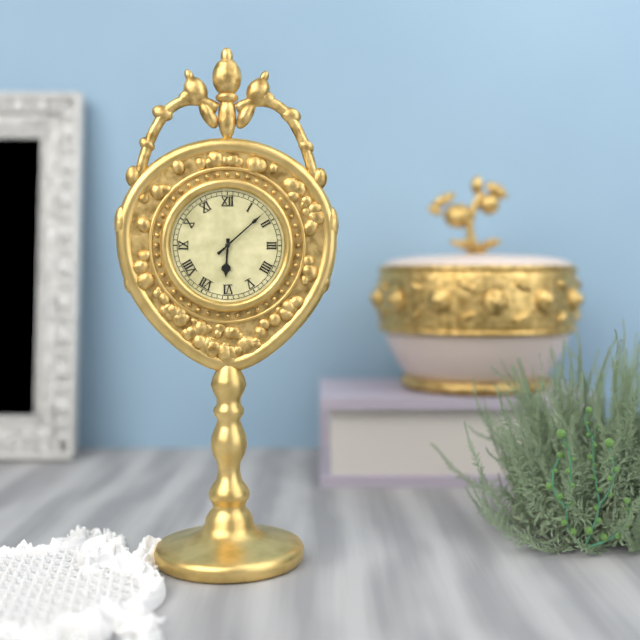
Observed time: 6:08
